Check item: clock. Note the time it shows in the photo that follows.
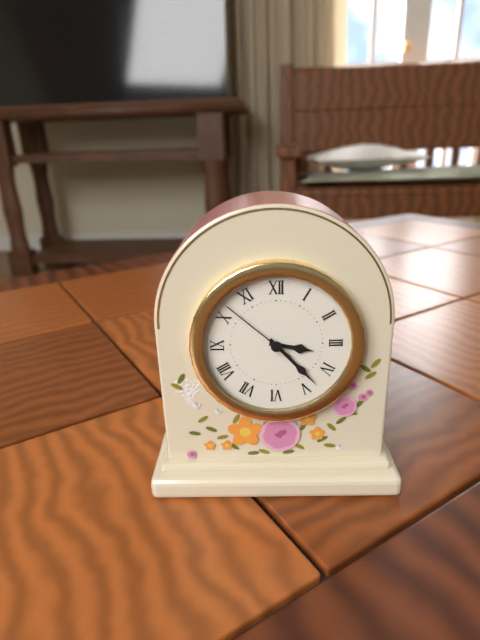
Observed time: 3:23:52
